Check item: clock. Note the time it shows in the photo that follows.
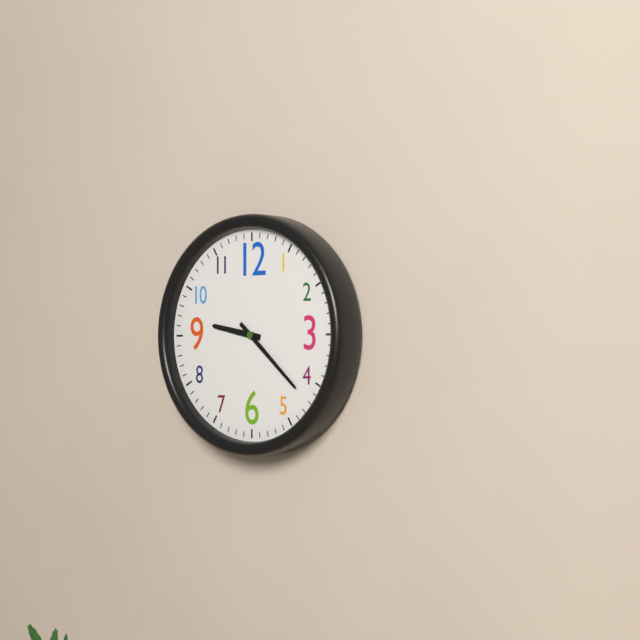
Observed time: 9:22
